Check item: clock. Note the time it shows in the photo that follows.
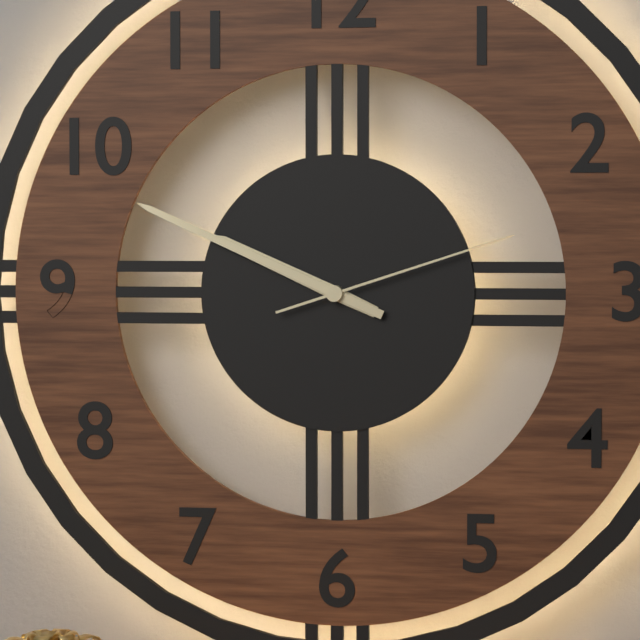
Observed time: 9:49:12
